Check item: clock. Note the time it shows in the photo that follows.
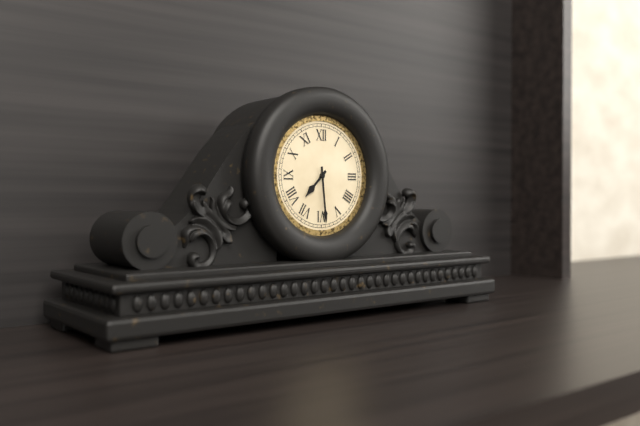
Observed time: 7:29
